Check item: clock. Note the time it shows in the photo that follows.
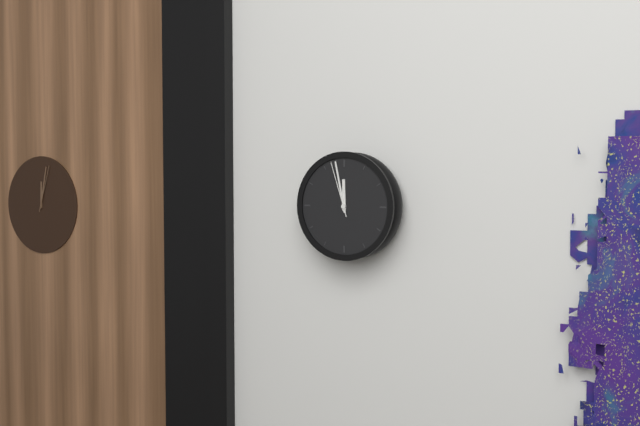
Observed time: 11:58:57
